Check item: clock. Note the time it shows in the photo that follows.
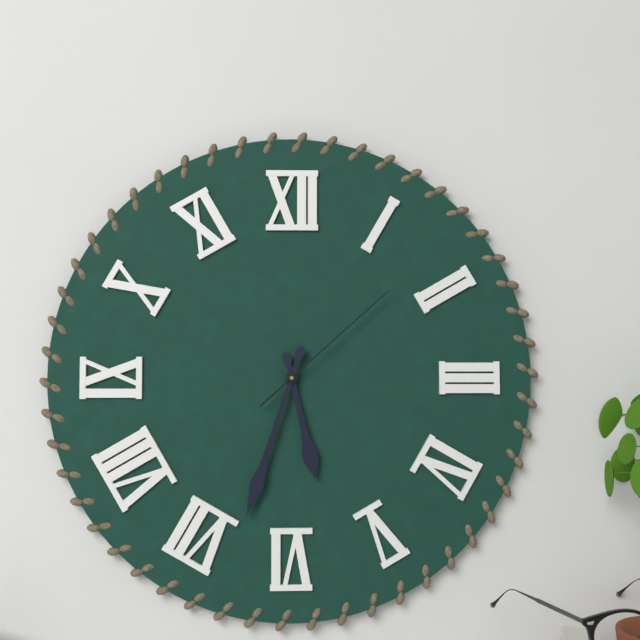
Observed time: 5:33:08
